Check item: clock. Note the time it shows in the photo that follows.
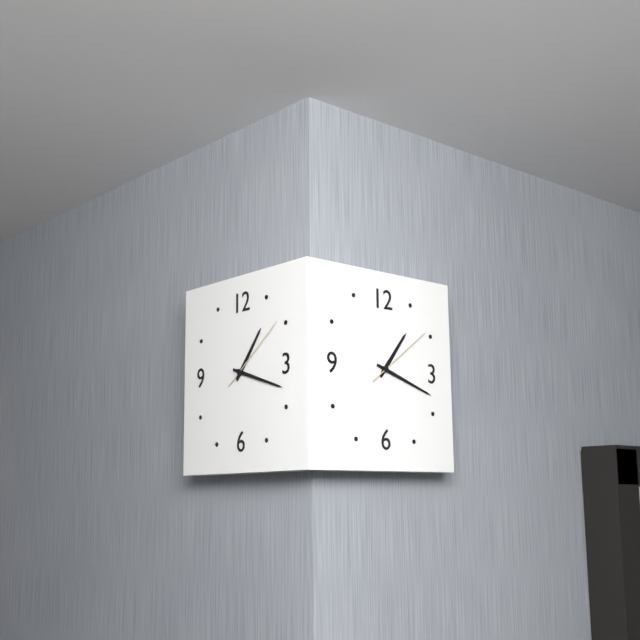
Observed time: 1:18:09
